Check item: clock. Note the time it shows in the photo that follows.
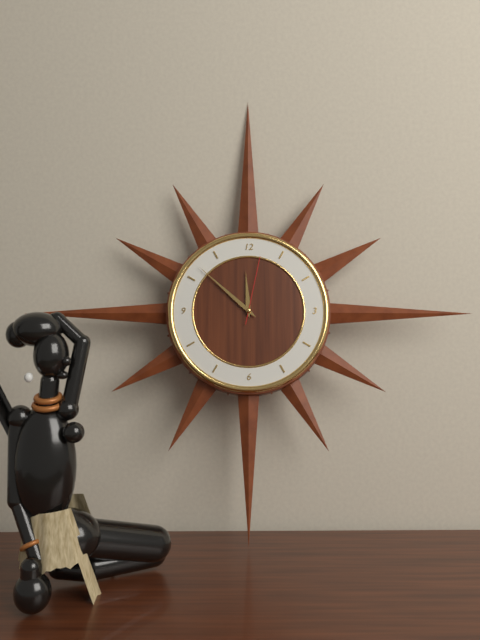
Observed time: 11:52:02
